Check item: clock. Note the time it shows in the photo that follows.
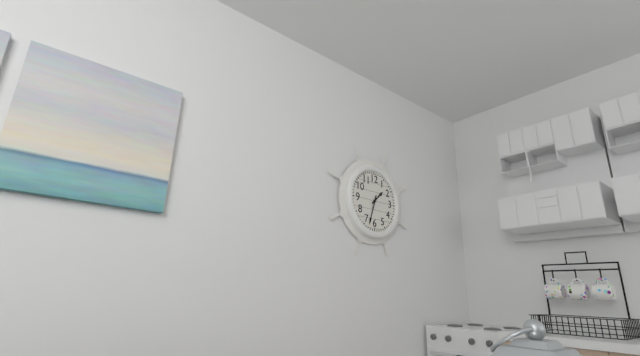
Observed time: 1:33
